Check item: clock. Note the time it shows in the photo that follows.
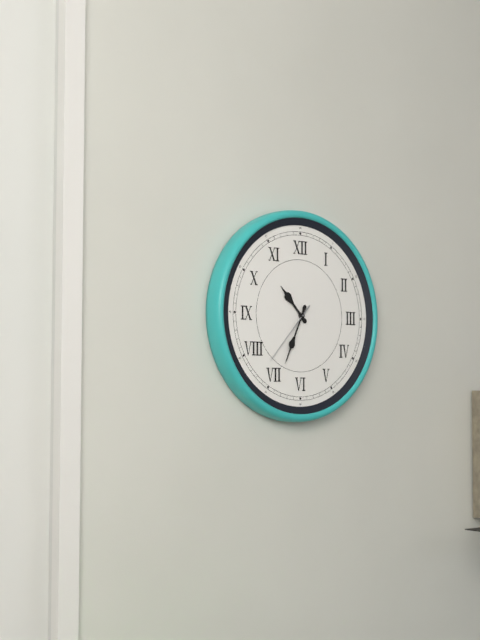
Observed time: 10:34:37
